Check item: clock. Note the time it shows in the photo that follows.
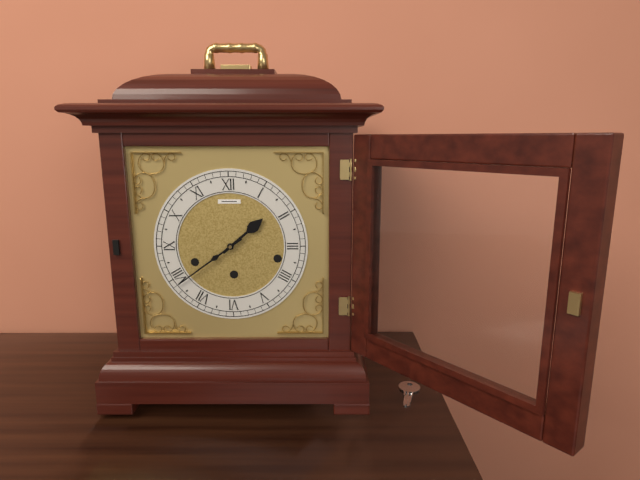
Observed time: 1:39
